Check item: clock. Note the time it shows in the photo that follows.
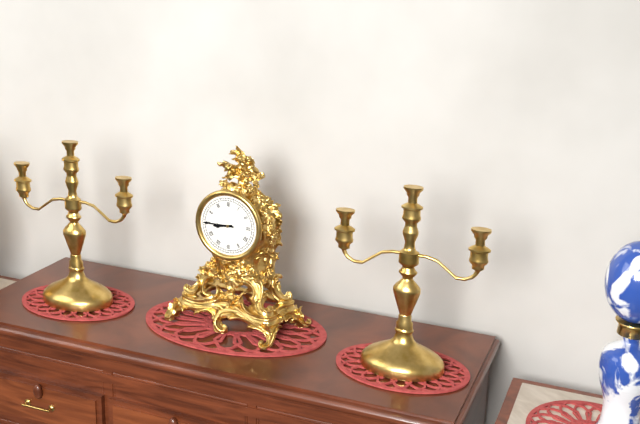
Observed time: 8:45
